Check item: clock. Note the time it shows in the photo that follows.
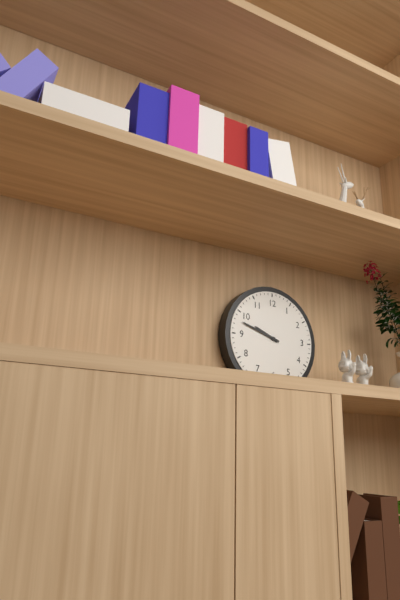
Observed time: 9:48
